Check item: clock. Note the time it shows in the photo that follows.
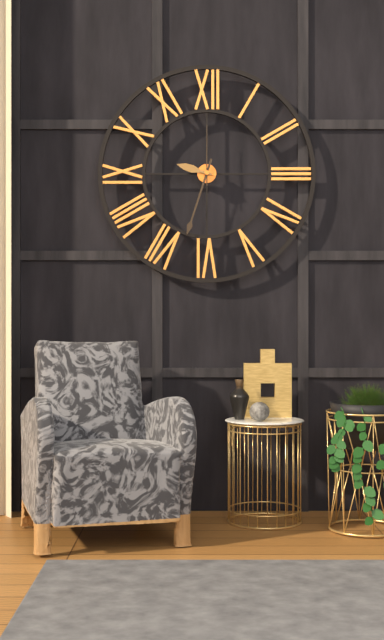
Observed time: 9:33:00
